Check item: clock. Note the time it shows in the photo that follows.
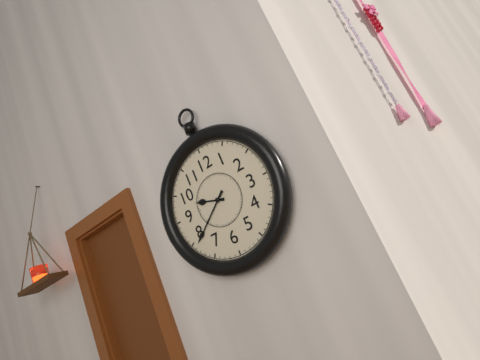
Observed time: 9:39
